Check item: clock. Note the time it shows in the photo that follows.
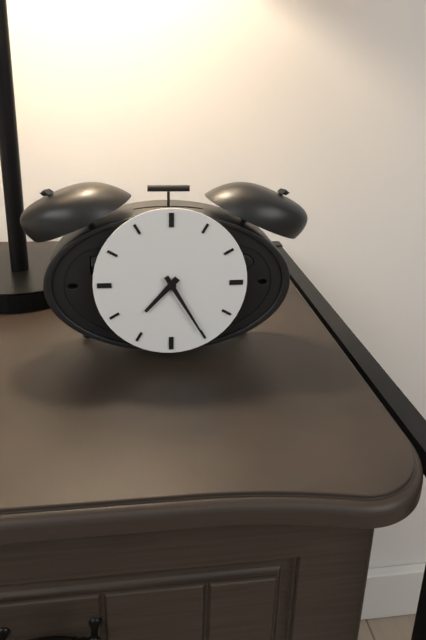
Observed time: 7:25
